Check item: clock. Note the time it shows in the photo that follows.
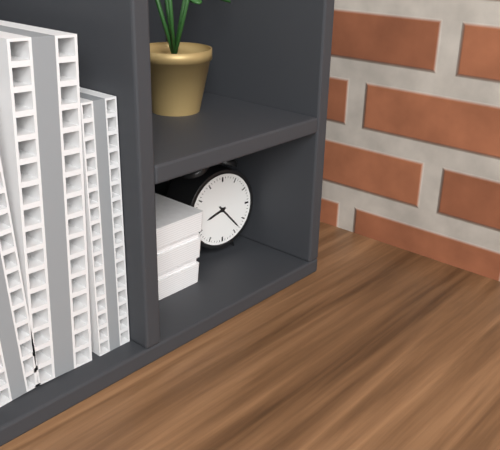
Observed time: 8:23
